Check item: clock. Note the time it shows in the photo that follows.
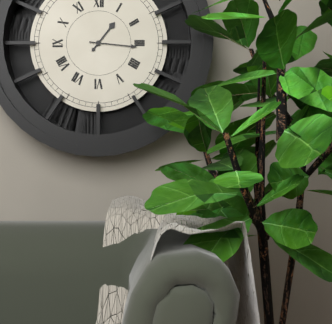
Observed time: 1:16
